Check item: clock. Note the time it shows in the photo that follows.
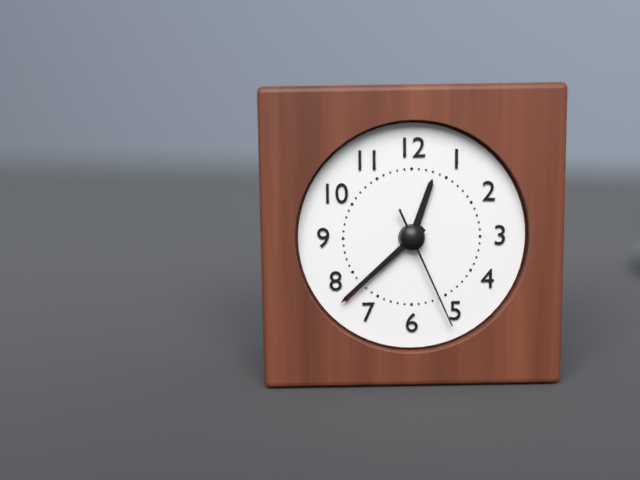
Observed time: 12:38:26
